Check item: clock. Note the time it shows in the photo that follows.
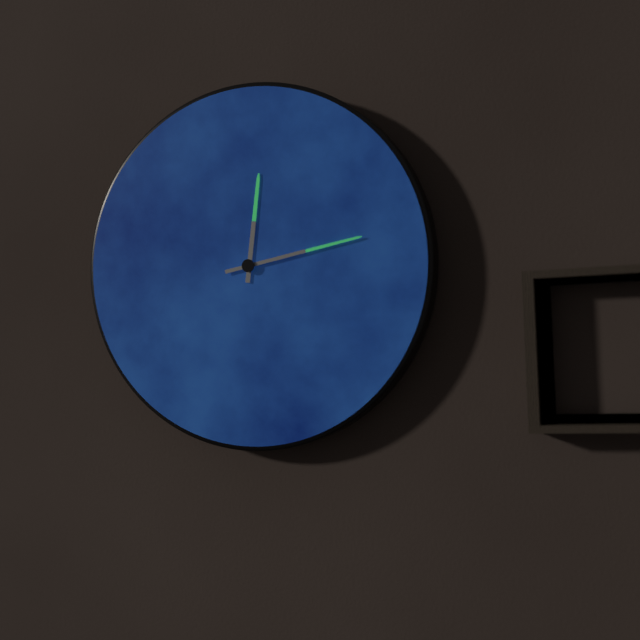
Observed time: 12:13
